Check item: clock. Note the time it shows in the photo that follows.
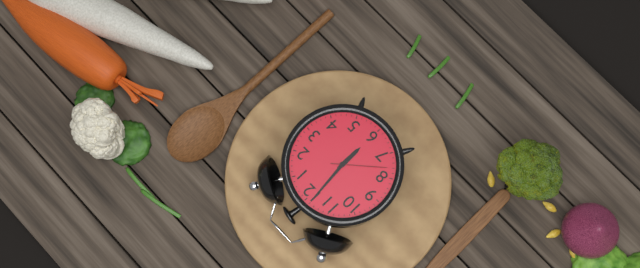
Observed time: 5:59:38
